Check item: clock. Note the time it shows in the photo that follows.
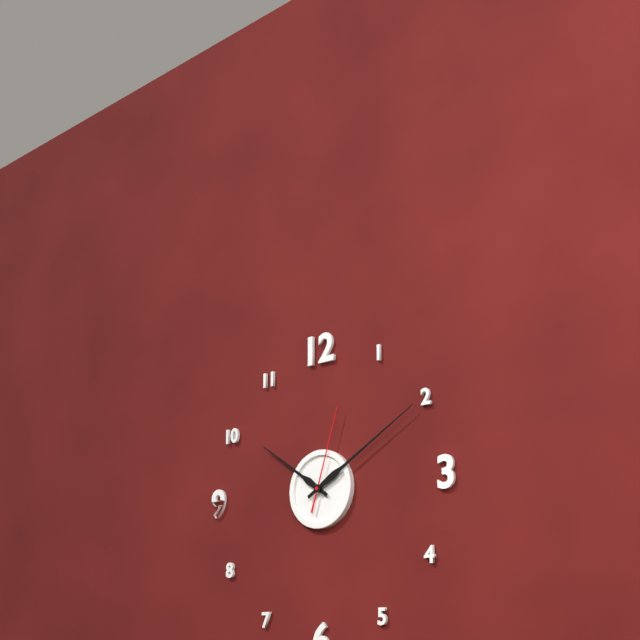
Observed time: 10:10:03
